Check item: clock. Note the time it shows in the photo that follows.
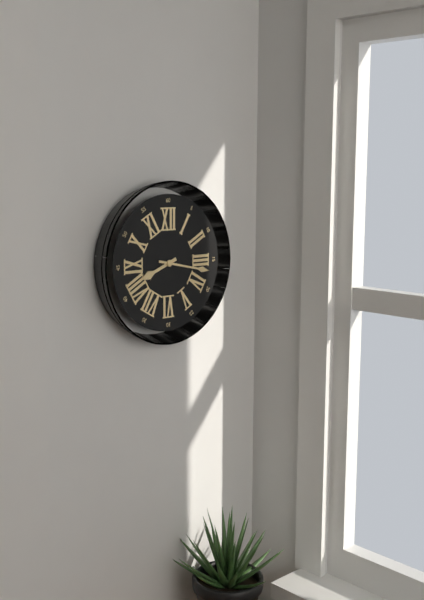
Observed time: 8:17
